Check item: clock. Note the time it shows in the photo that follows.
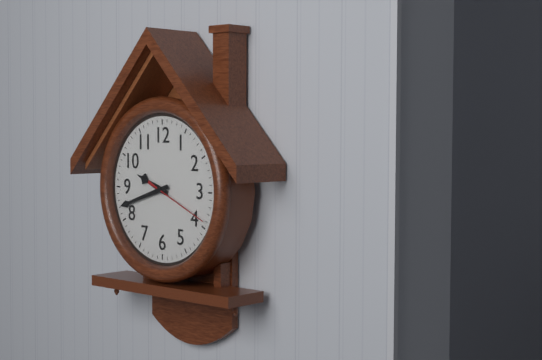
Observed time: 9:42
